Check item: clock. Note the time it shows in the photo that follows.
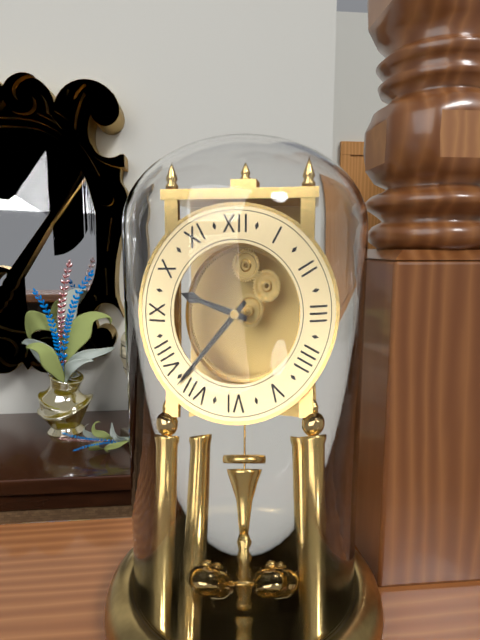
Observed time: 9:37
